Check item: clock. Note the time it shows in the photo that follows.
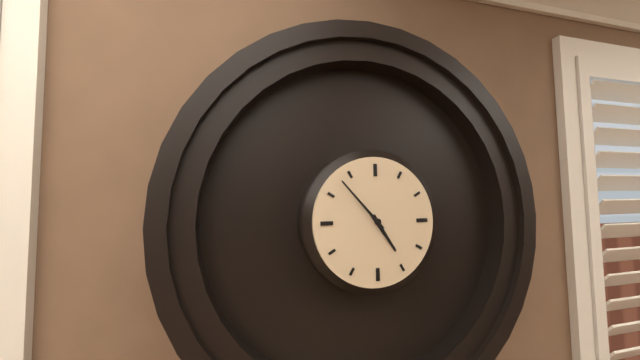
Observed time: 4:53
